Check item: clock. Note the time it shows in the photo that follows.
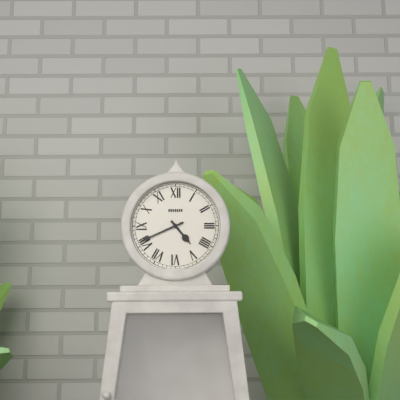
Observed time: 4:41
